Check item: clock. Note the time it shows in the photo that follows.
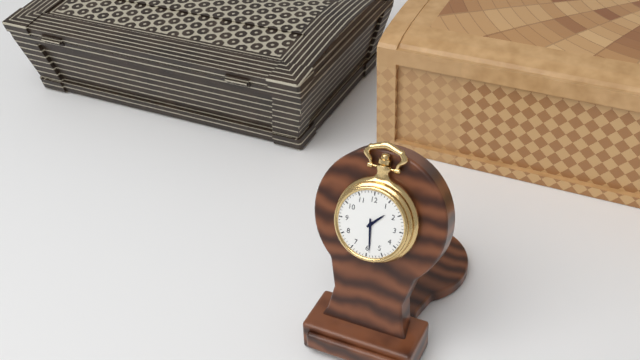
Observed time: 1:29
